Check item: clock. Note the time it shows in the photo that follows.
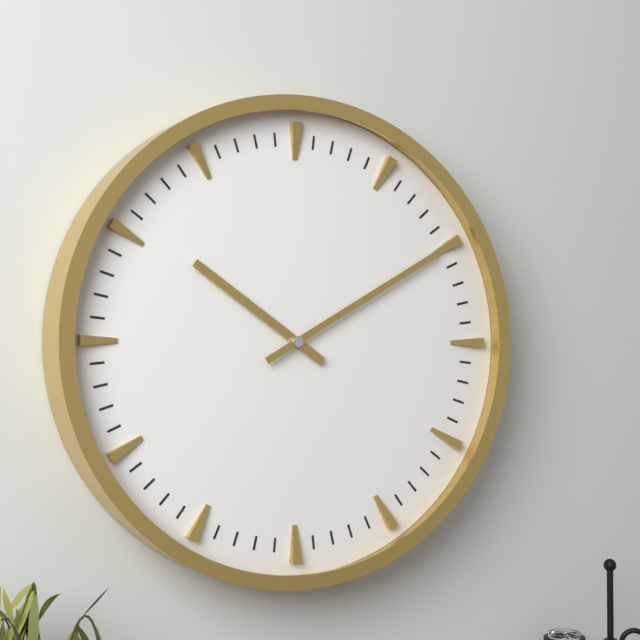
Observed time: 10:10
